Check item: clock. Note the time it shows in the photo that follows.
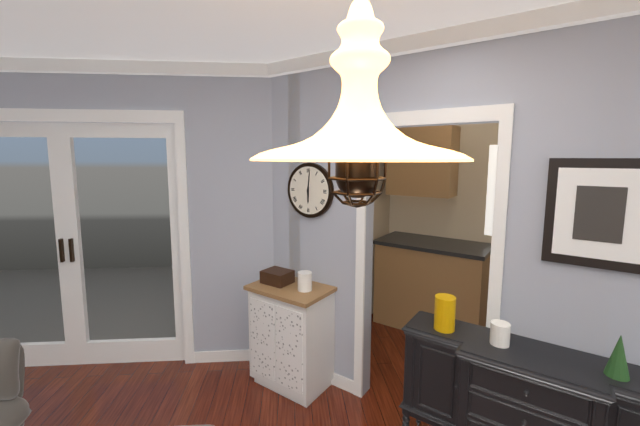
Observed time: 6:01
